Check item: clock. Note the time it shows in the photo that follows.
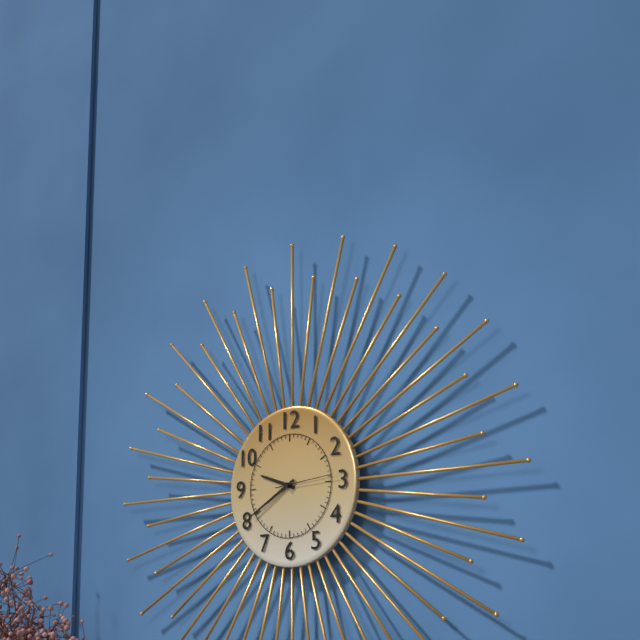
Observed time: 9:40:14
